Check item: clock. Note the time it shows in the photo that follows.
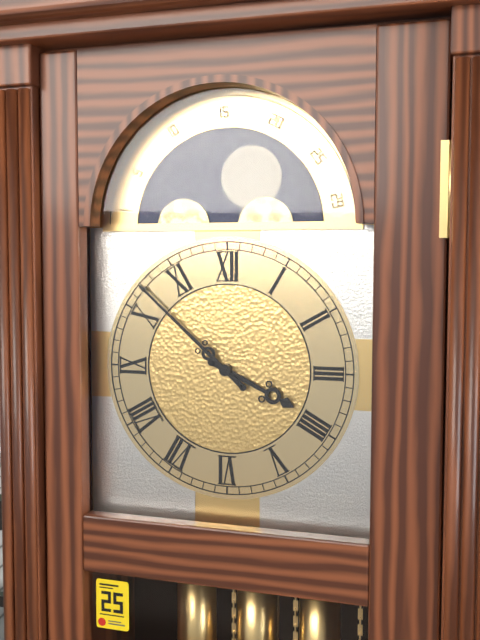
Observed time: 3:52
